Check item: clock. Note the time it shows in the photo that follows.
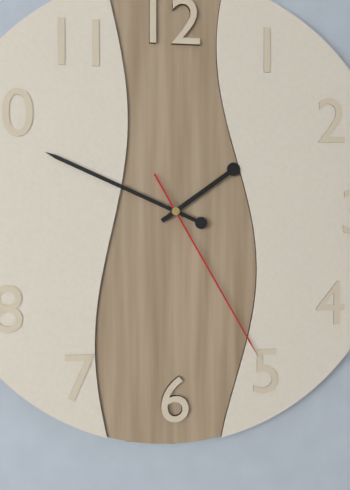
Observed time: 1:49:25
